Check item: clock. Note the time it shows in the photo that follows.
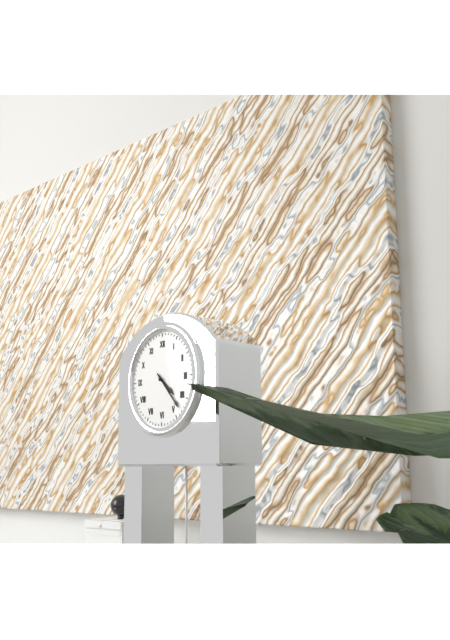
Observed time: 4:23
